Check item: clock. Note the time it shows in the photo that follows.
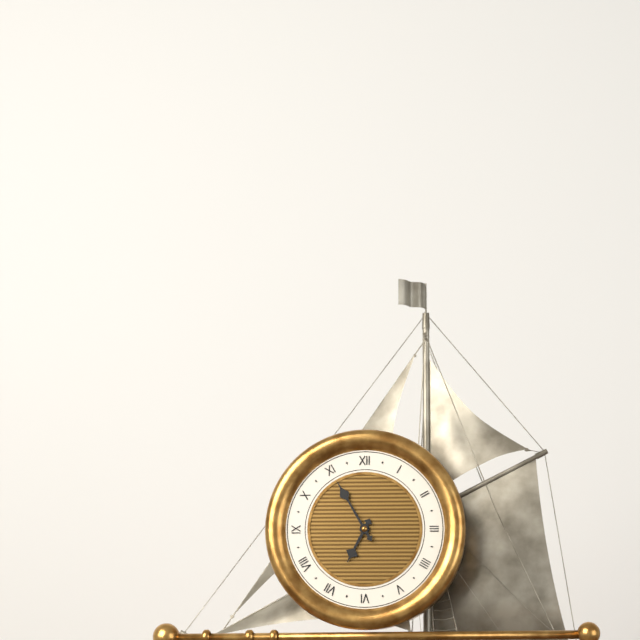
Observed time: 6:55
